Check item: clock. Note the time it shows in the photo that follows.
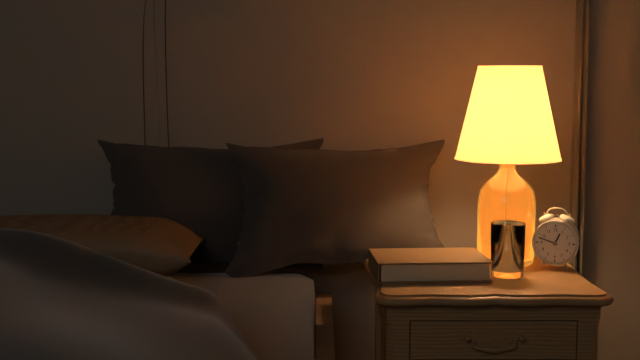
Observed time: 12:48
